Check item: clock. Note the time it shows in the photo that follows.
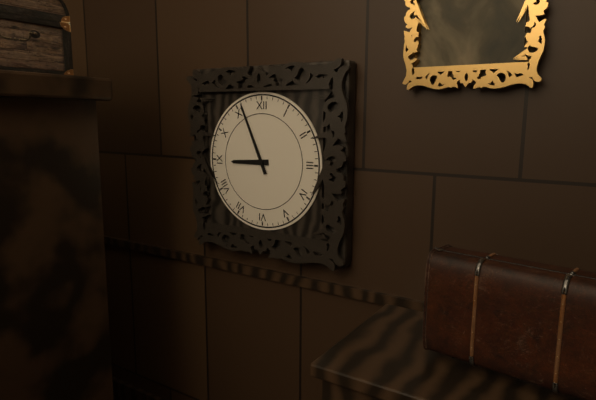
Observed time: 8:56
